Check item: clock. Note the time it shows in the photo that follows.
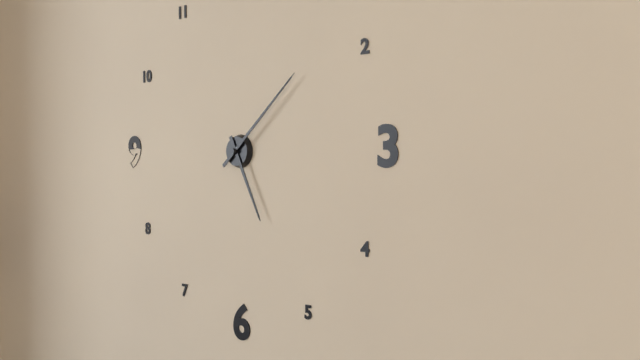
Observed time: 5:08
